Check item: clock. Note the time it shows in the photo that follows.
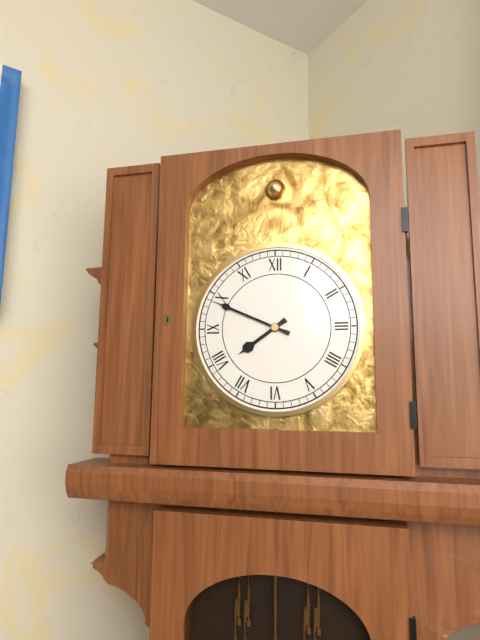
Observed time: 7:49
